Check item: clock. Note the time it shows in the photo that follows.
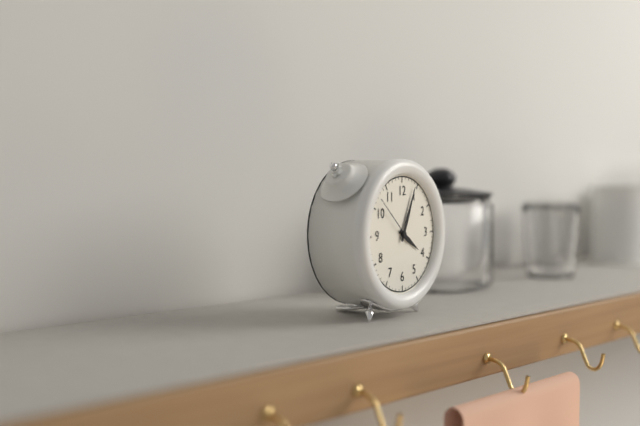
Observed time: 4:04:52
